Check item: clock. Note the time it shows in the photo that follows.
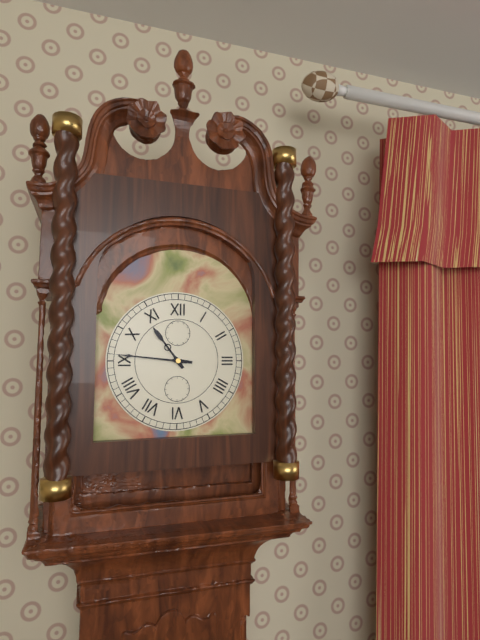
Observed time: 10:46
